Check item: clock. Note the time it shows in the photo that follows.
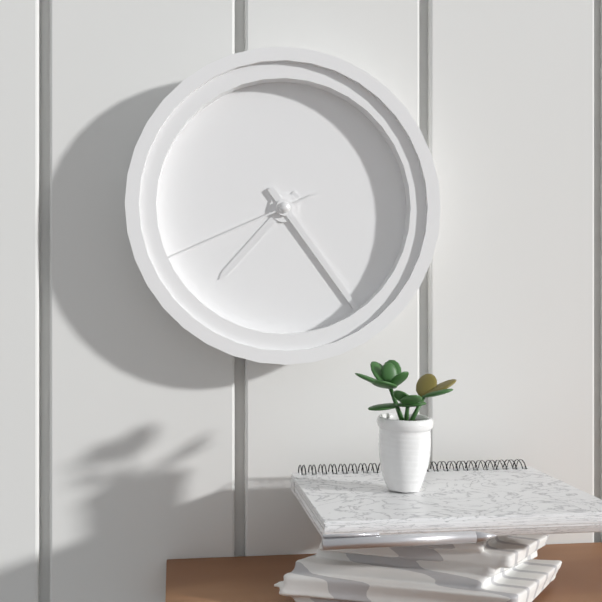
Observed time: 7:24:41
